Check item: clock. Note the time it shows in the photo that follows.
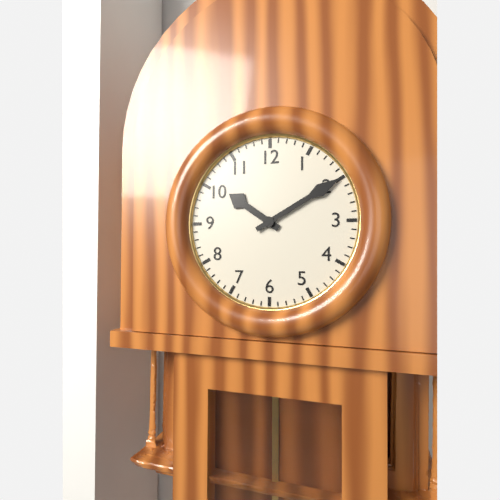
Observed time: 10:10
